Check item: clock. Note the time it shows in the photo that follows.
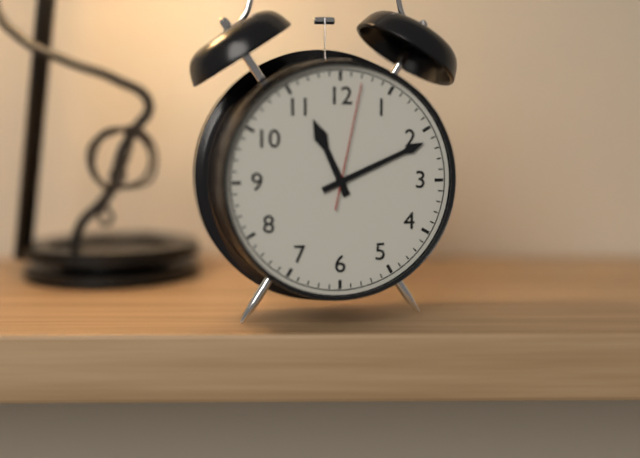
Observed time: 11:11:02
